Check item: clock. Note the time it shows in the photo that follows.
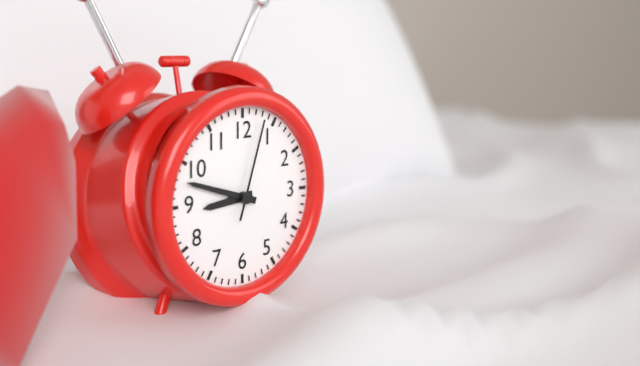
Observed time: 8:48:03
